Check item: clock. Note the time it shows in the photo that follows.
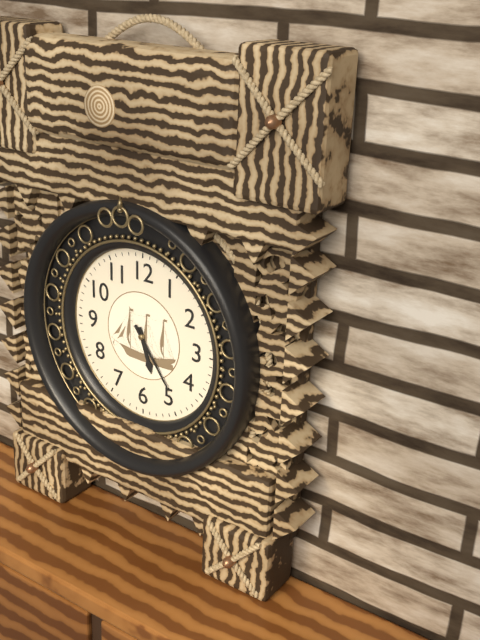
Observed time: 5:24
